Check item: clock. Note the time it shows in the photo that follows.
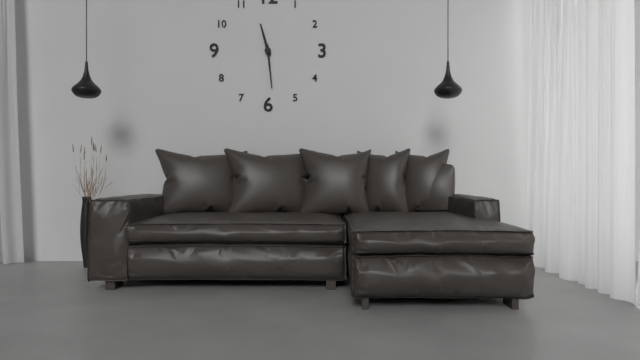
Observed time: 11:29
